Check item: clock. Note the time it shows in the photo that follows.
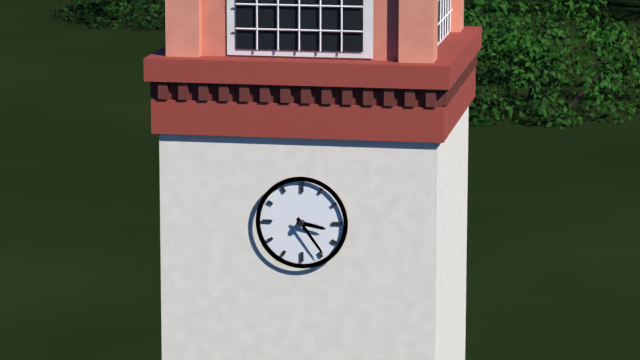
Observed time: 3:24
